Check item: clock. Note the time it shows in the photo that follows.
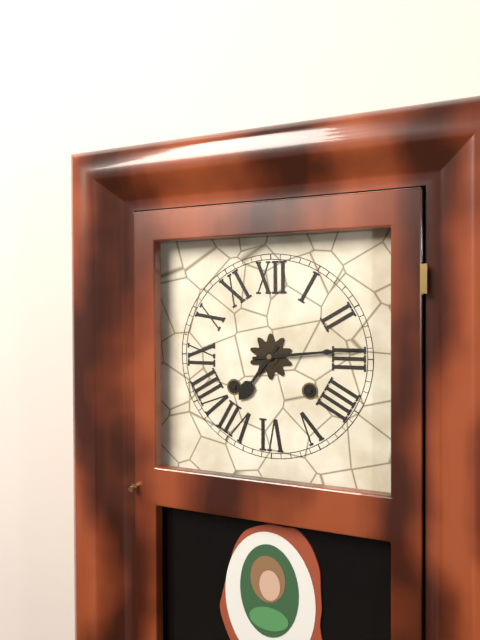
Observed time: 7:14
